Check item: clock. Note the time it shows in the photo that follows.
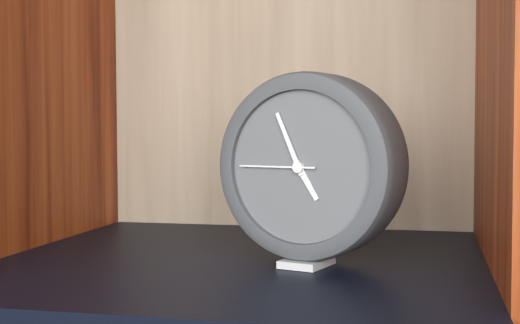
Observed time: 4:56:45
